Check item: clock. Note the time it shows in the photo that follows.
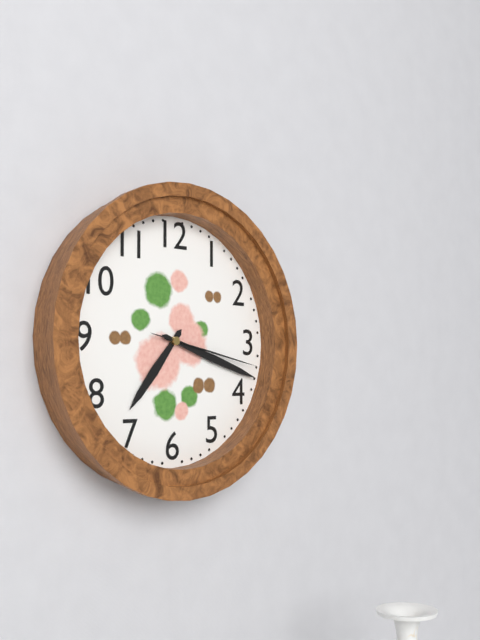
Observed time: 7:18:17
